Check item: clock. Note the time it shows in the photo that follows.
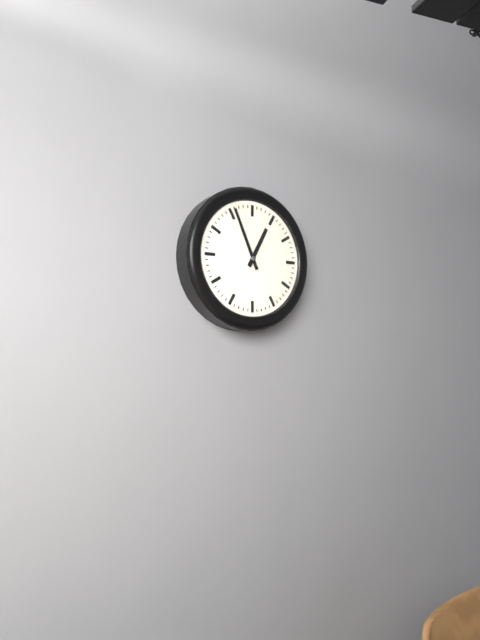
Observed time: 12:56
